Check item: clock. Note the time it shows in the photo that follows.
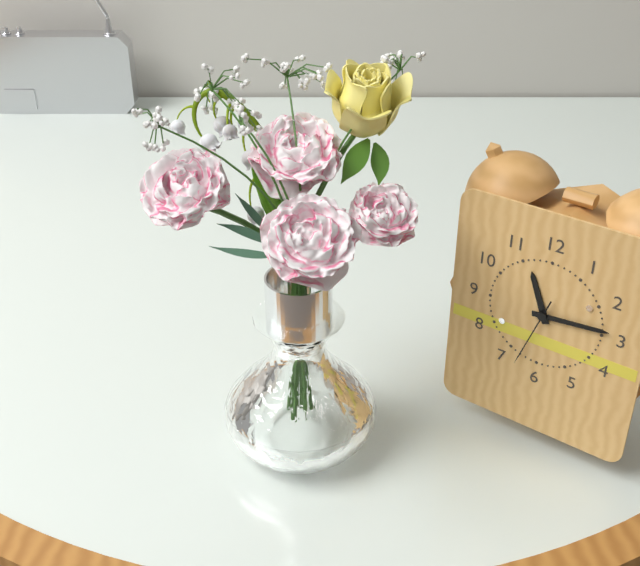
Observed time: 11:14:33
